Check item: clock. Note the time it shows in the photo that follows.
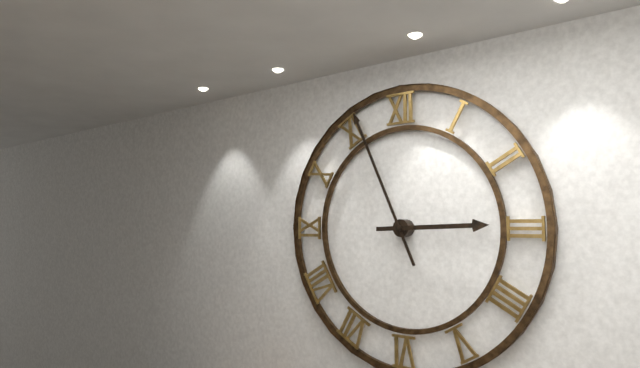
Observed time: 2:56
